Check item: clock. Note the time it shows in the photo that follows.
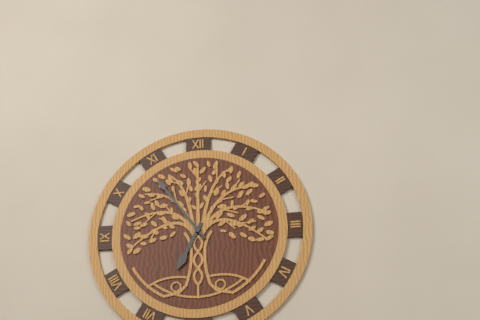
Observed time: 6:54
